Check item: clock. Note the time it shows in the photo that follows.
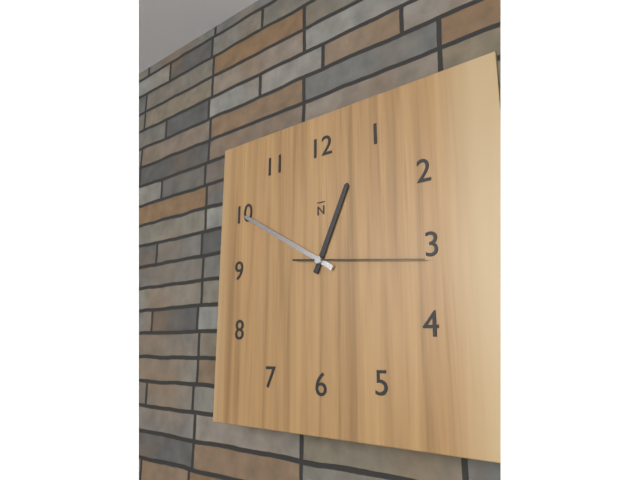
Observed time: 12:50:16
